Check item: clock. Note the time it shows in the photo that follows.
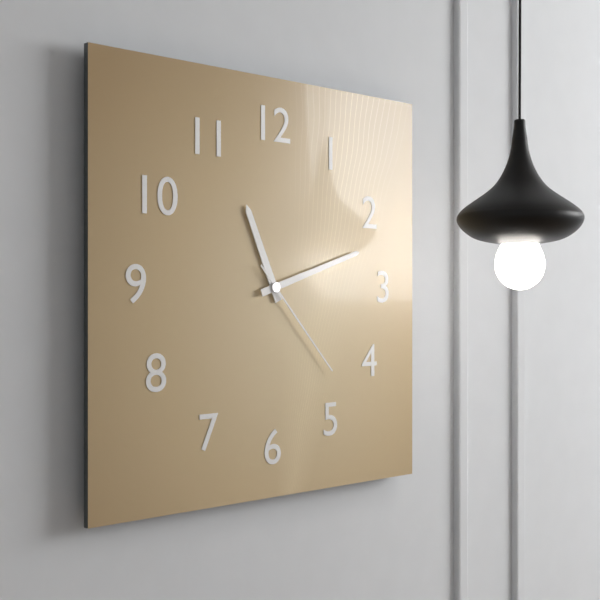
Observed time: 11:12:23
